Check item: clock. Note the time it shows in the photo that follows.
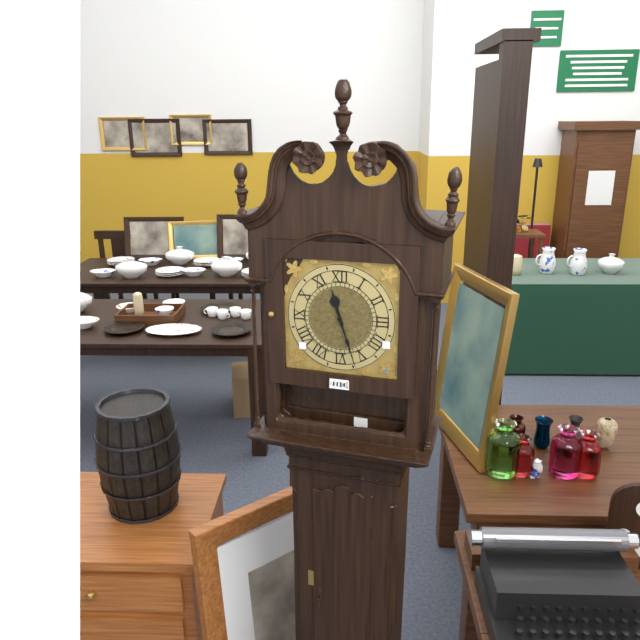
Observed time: 11:27
